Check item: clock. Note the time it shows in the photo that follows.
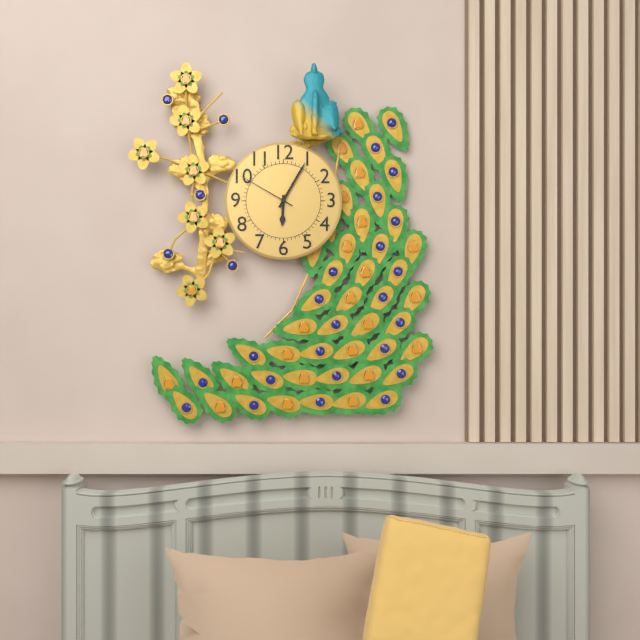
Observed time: 6:05:50
